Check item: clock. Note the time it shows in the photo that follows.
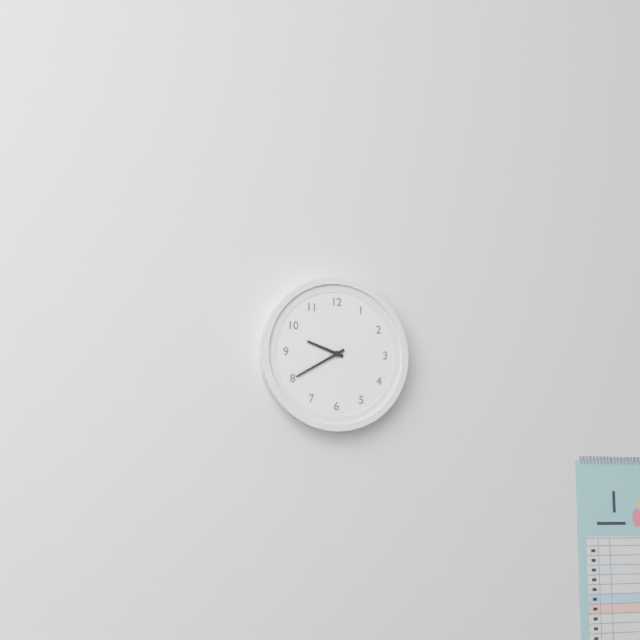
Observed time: 9:40
